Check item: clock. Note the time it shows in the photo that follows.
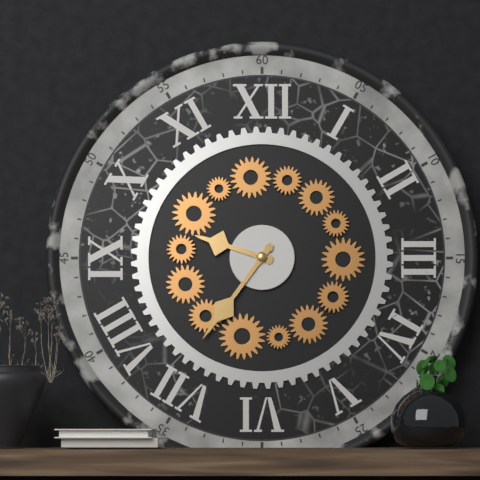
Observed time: 9:36
